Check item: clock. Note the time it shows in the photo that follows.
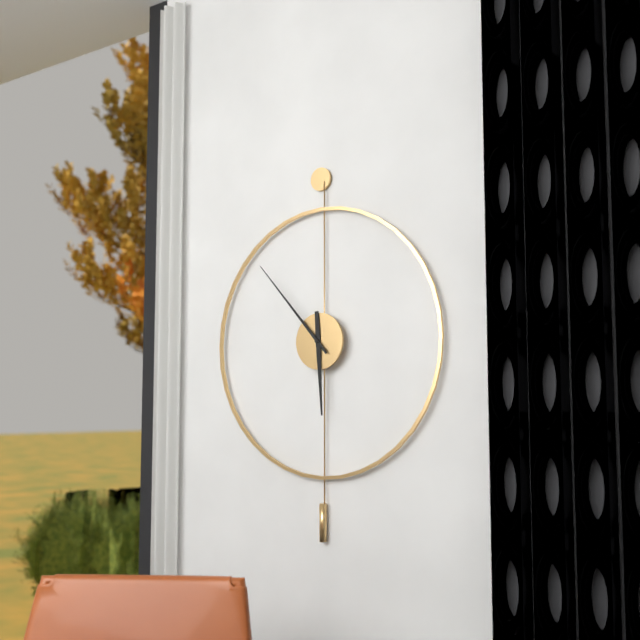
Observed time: 5:53
